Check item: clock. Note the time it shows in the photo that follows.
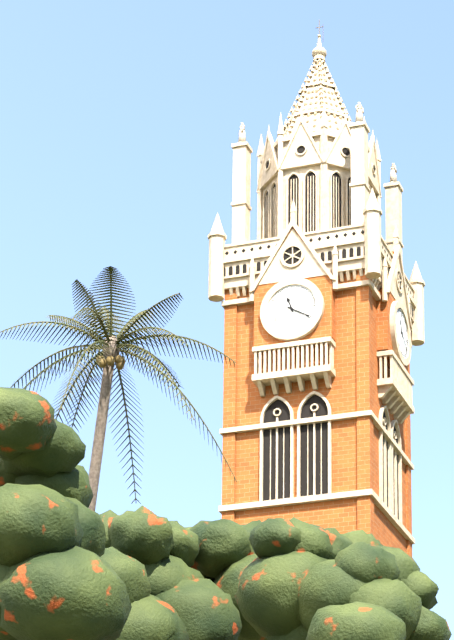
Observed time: 11:20
